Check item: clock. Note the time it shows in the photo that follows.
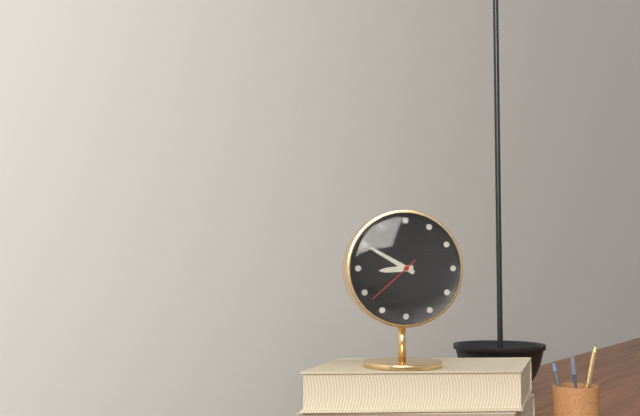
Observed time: 8:50:38
